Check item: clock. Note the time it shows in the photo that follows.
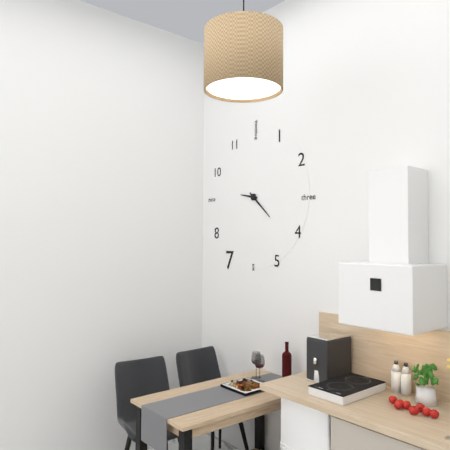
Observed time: 9:22
